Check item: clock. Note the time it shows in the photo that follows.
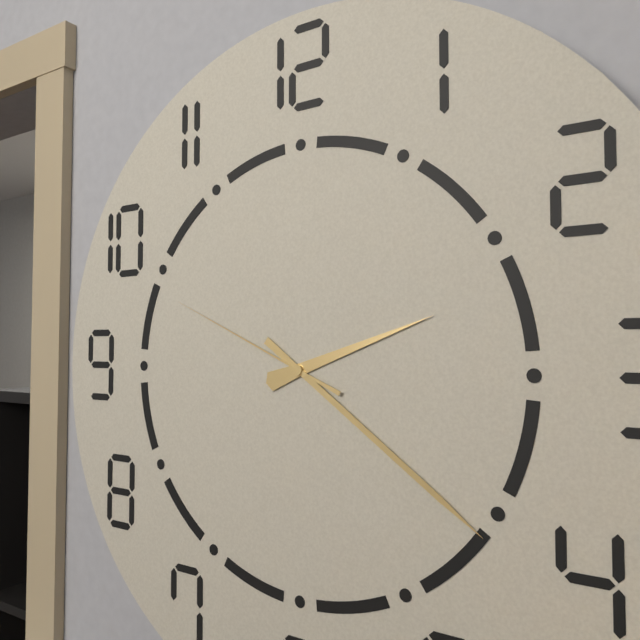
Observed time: 2:21:49
